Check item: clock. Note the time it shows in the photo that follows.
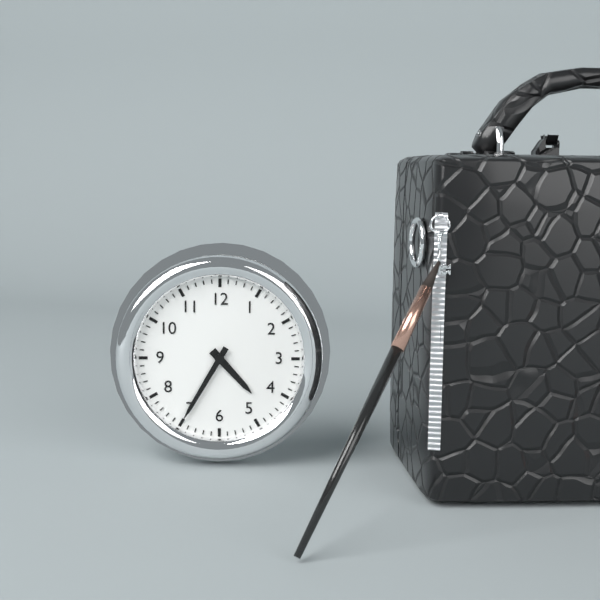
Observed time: 4:35
